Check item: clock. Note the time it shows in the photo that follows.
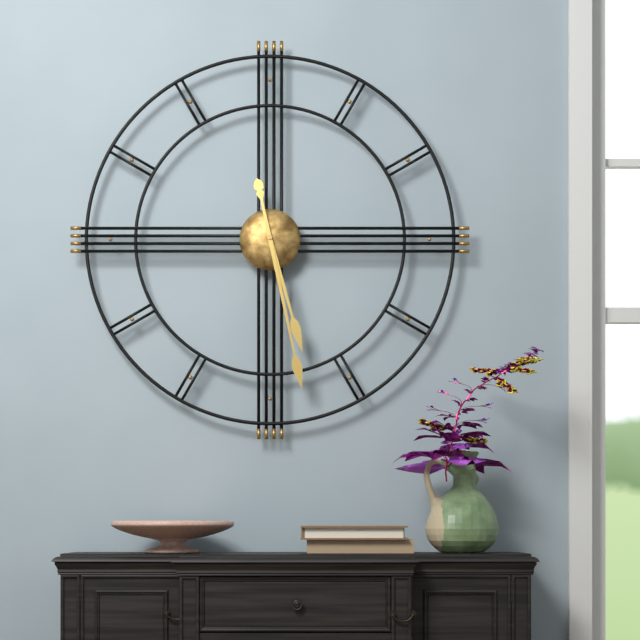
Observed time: 5:28
